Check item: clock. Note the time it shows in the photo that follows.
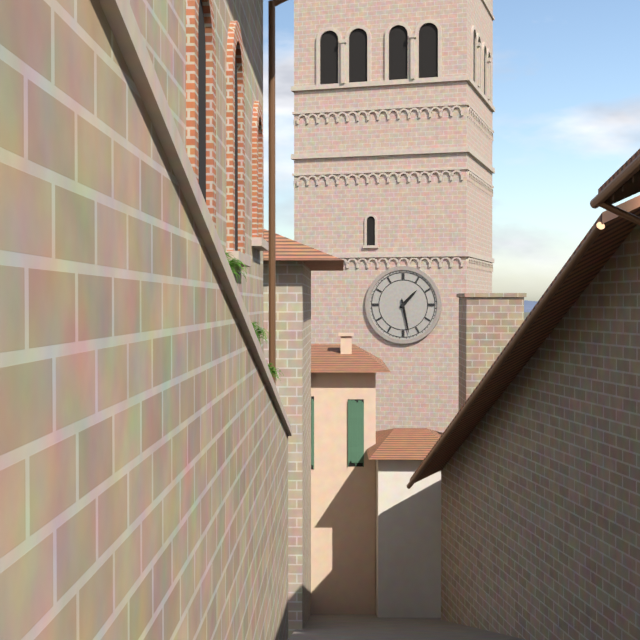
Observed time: 1:28
